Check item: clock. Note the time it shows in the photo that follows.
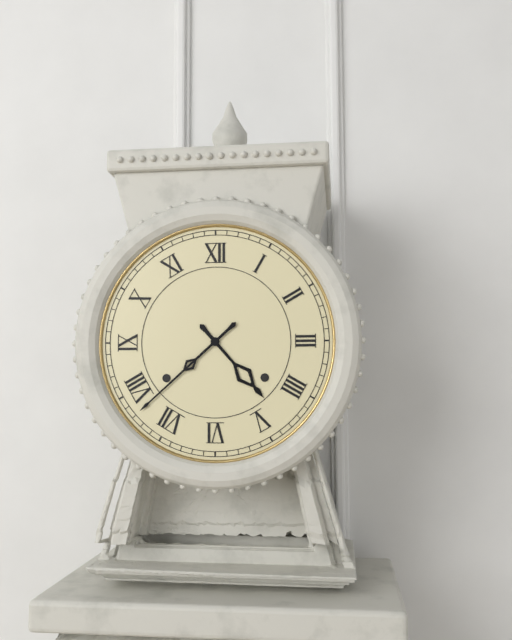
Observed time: 4:38
